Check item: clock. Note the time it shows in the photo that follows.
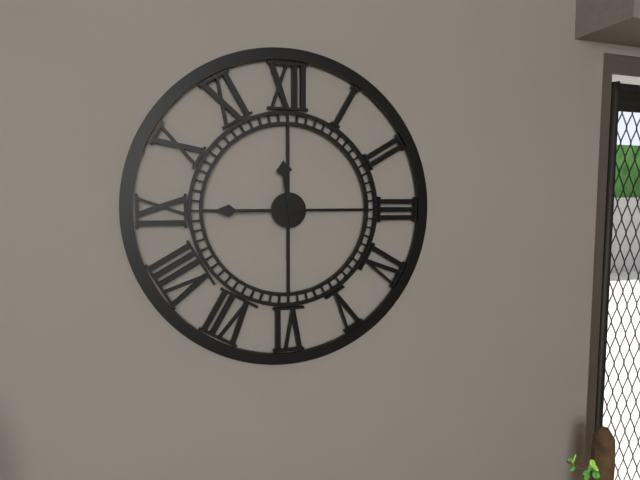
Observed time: 11:45
